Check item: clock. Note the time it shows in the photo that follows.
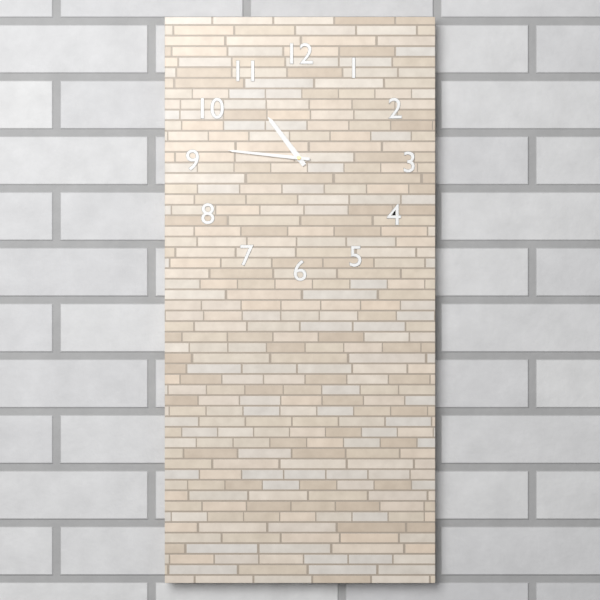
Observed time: 10:46
